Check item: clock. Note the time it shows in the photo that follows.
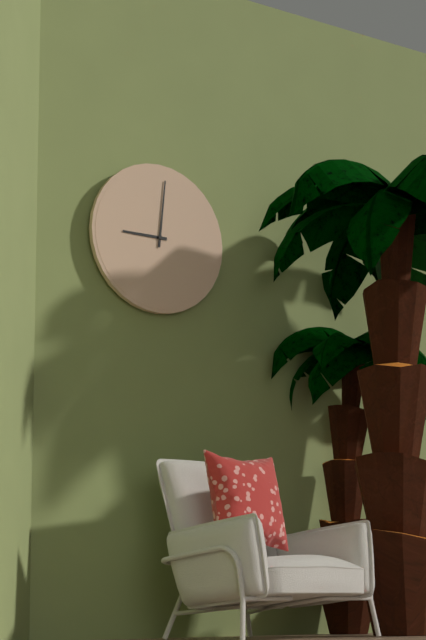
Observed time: 9:01
